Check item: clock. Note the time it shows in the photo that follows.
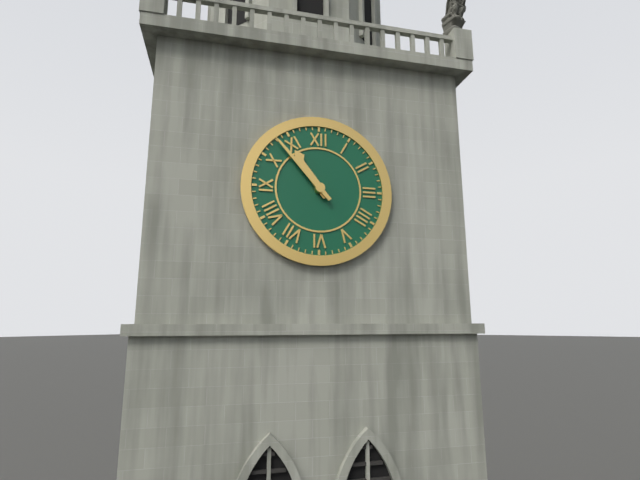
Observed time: 10:53
